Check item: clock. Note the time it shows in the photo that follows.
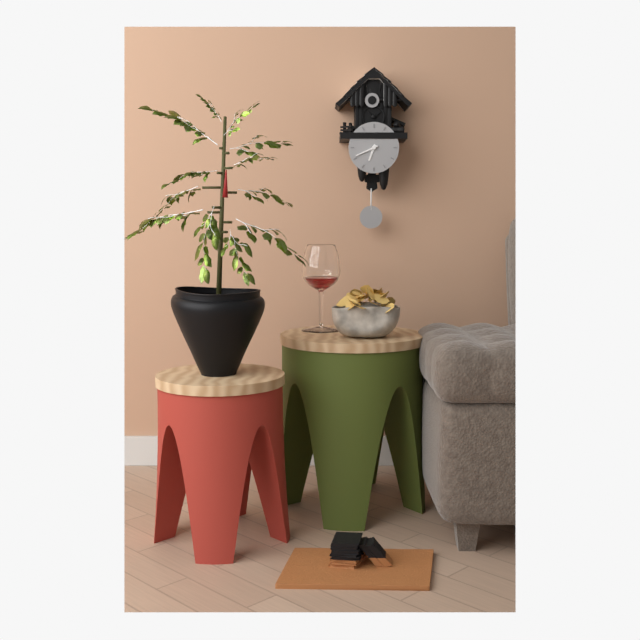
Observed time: 6:41
